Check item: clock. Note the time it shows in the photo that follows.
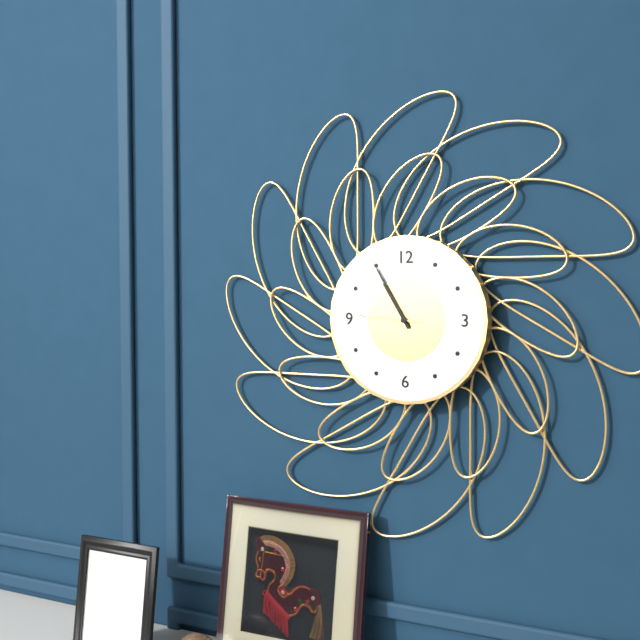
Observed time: 10:55:46
